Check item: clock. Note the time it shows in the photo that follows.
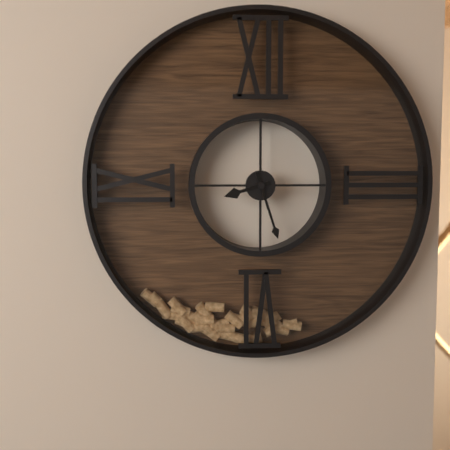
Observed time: 8:27
